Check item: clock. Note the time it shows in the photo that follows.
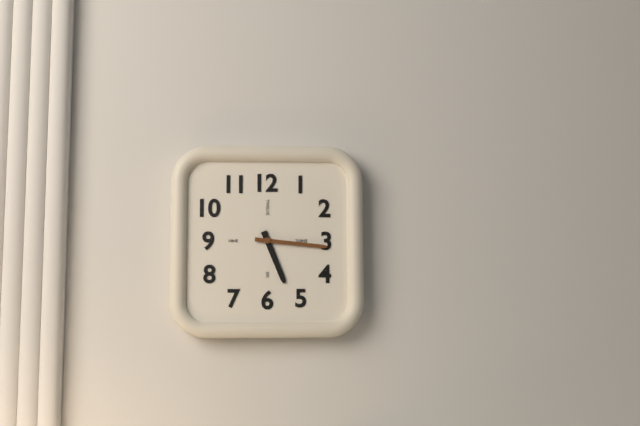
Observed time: 5:16
